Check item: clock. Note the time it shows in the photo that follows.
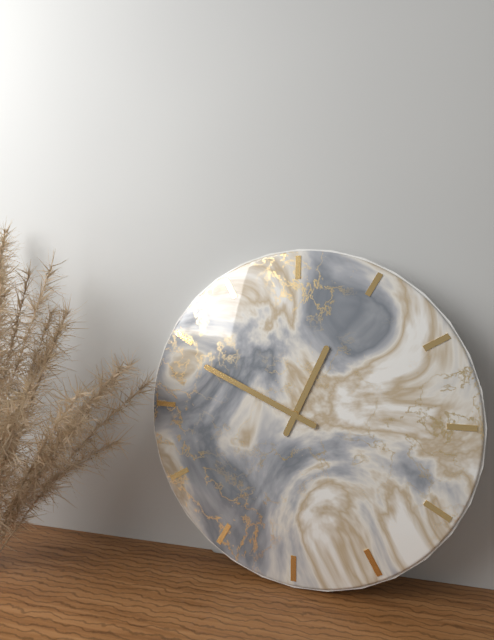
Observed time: 12:49
